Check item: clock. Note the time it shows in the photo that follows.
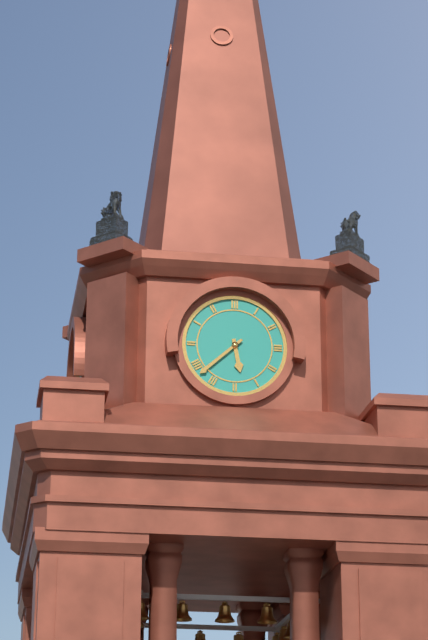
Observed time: 5:38
